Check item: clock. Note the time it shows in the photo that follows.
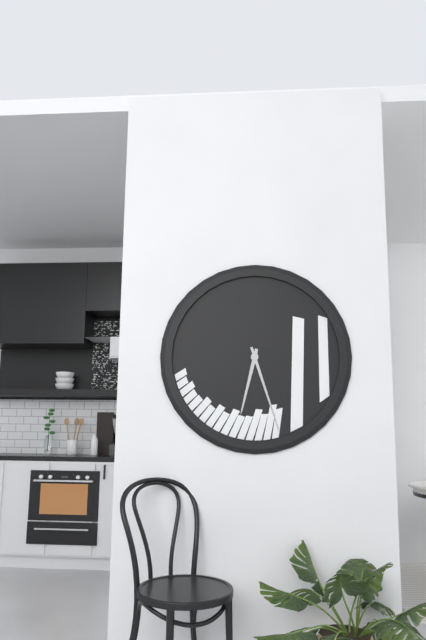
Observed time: 6:27
